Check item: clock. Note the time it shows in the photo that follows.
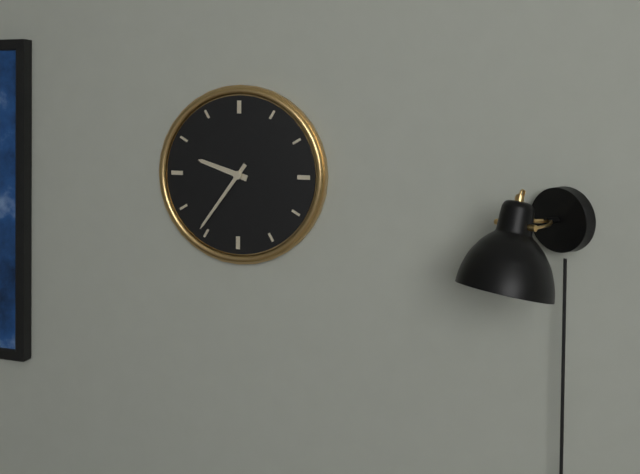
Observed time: 9:36
